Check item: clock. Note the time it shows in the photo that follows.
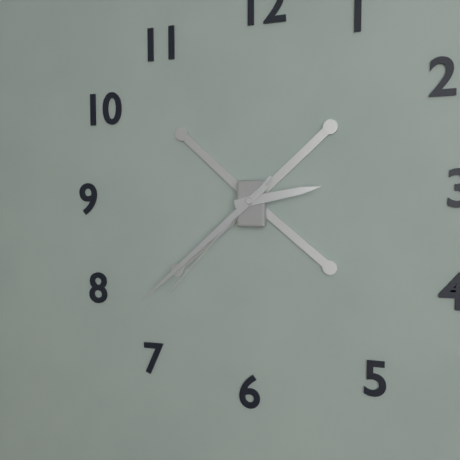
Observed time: 2:38:37
